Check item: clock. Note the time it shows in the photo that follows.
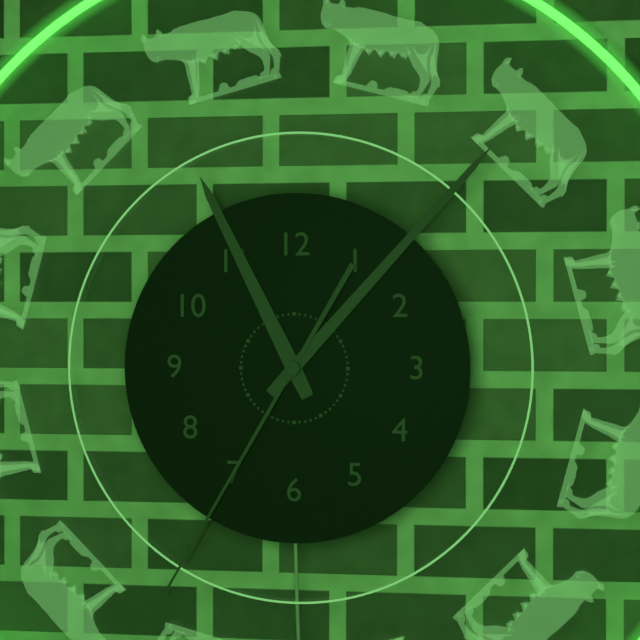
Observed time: 11:07:35
